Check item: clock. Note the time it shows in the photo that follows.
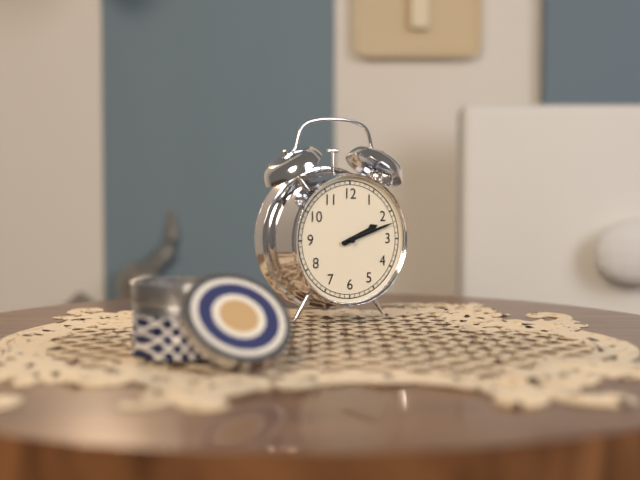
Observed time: 2:12
